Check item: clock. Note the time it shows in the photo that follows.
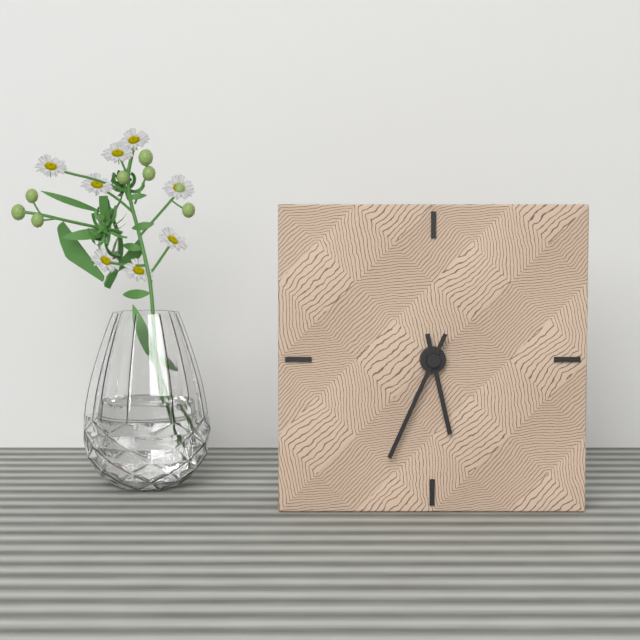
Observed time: 5:34
